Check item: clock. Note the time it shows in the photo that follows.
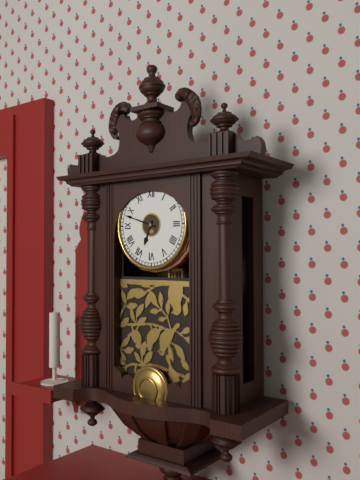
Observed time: 6:48
